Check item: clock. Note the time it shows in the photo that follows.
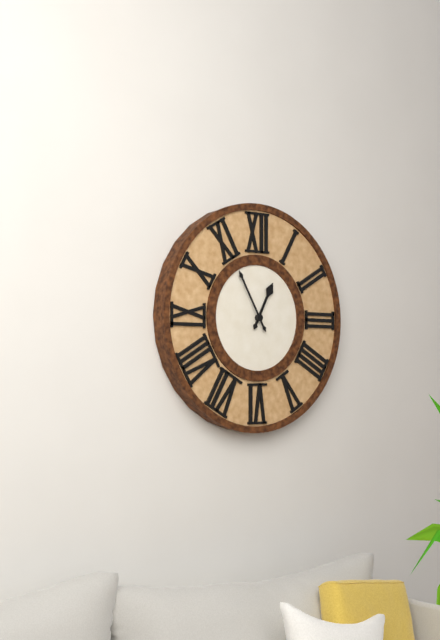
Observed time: 12:55
